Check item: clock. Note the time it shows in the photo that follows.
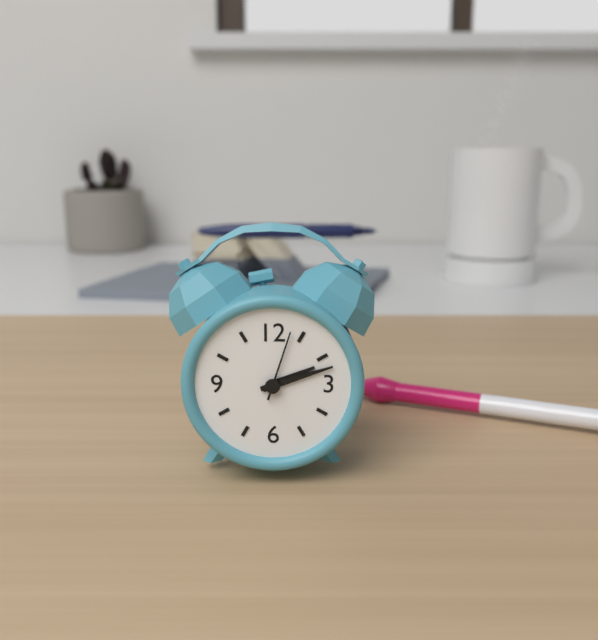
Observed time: 2:12:03
